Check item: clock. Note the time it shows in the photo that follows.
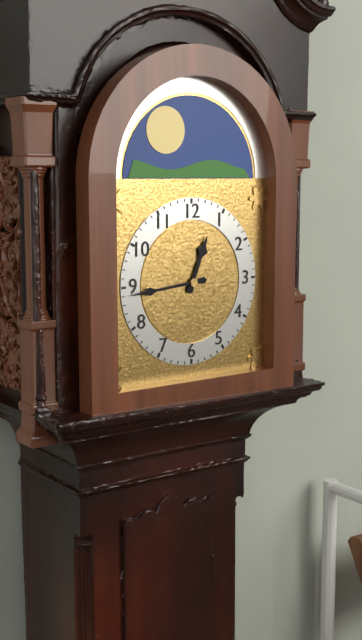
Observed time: 12:44
